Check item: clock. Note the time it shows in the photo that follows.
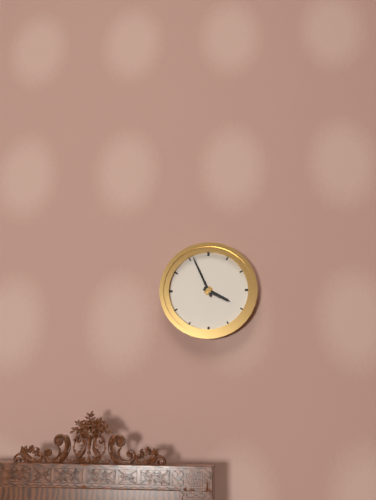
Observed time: 3:56
